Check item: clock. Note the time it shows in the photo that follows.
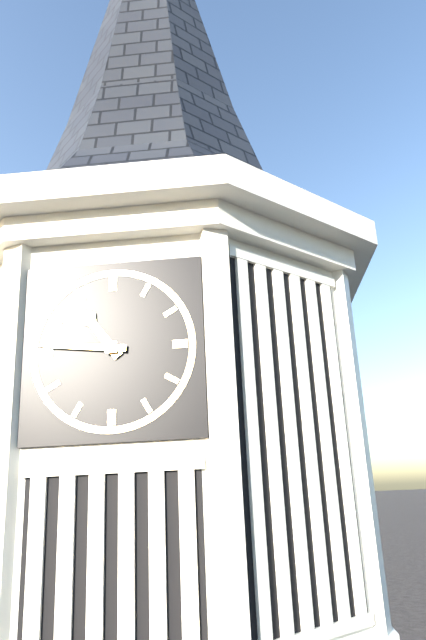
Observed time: 10:46
